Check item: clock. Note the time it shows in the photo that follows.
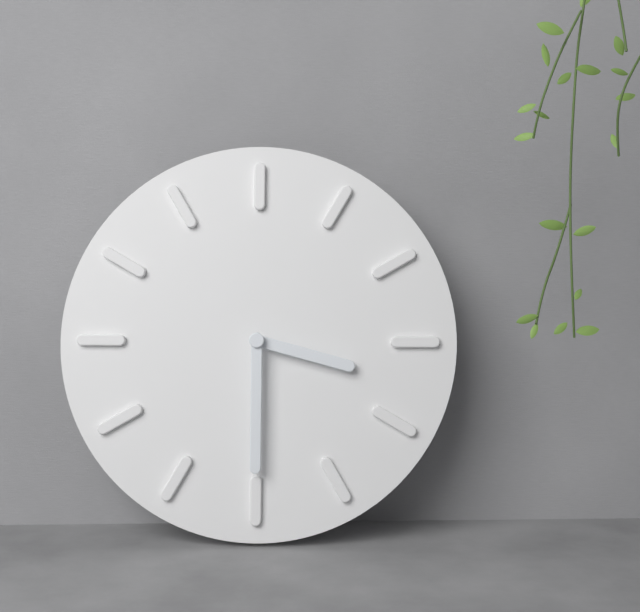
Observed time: 3:30
